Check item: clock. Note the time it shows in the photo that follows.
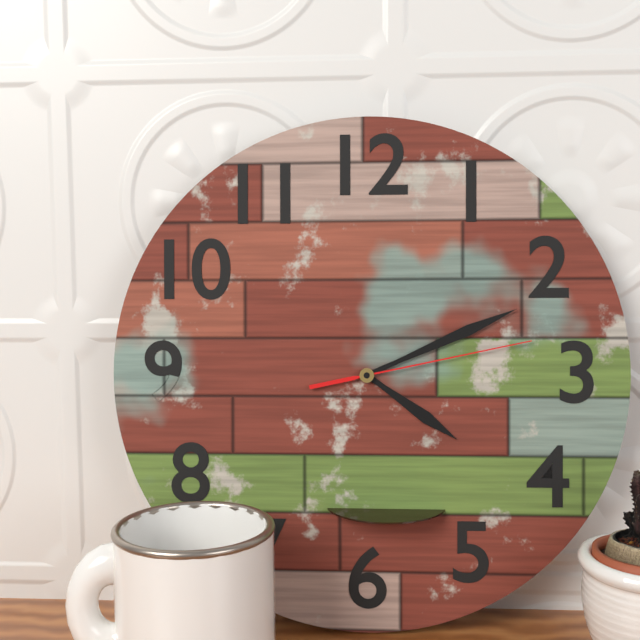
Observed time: 4:11:13
